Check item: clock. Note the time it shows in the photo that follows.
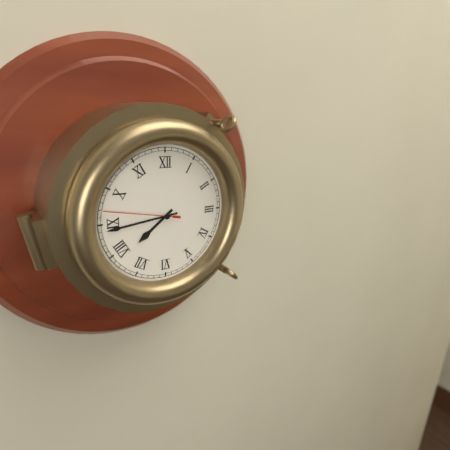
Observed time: 7:44:47
